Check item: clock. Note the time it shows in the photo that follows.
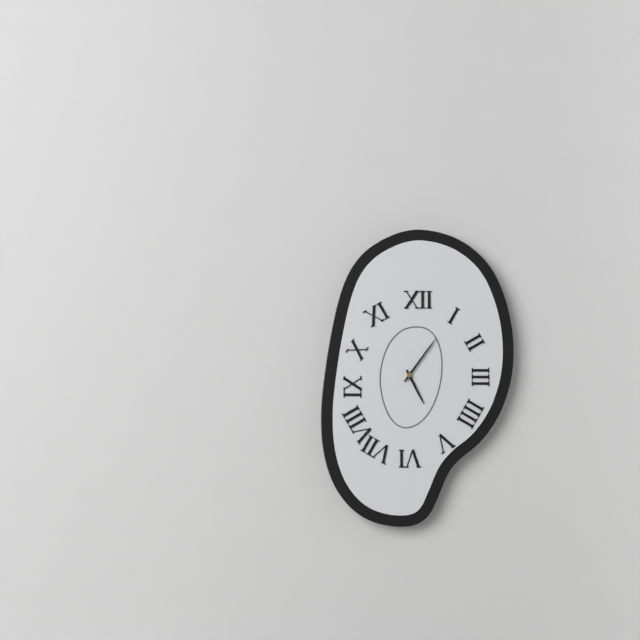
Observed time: 5:06
